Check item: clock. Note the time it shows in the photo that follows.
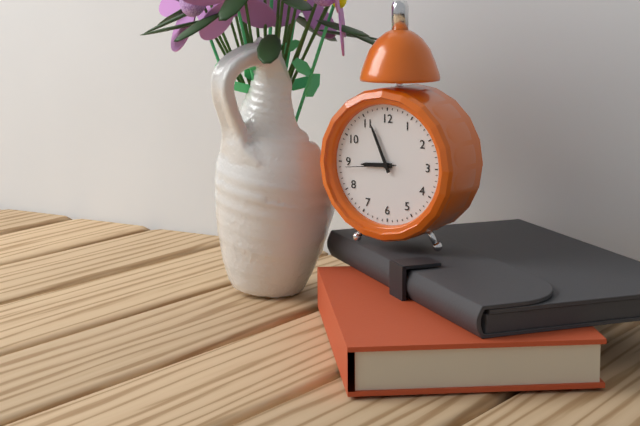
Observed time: 8:56:44
